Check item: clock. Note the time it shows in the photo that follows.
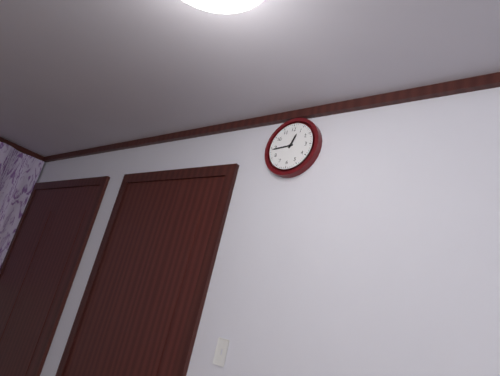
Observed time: 12:44
